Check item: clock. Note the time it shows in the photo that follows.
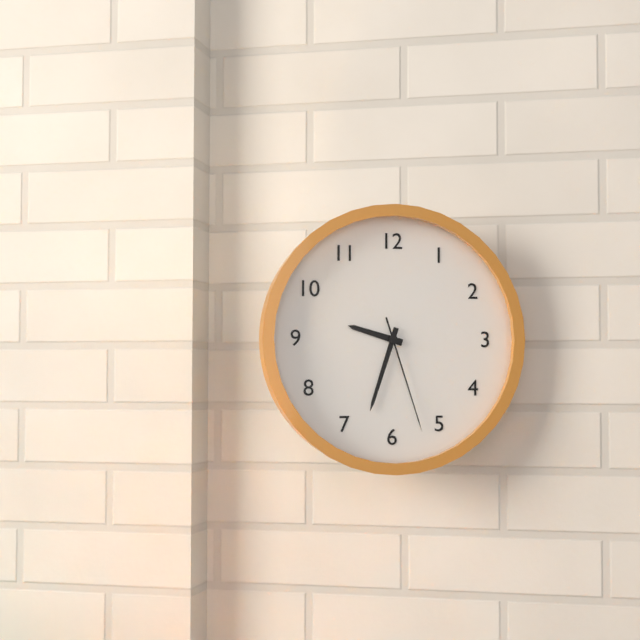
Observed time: 9:33:27
